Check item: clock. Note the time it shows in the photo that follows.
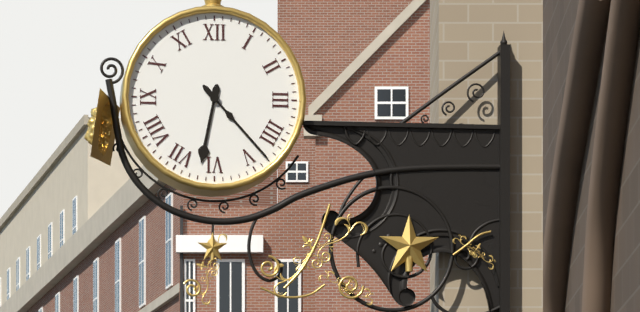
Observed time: 6:23
